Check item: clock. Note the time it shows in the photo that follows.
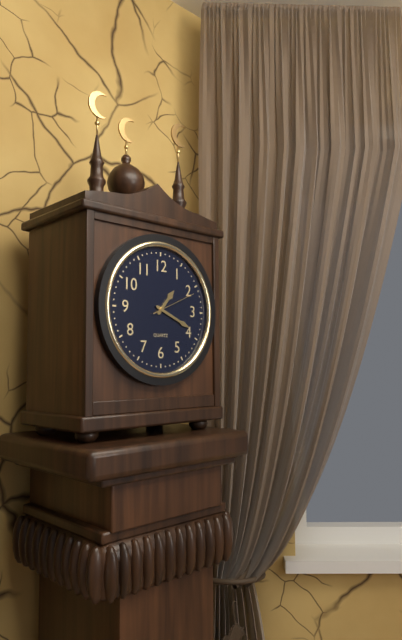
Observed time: 1:19
